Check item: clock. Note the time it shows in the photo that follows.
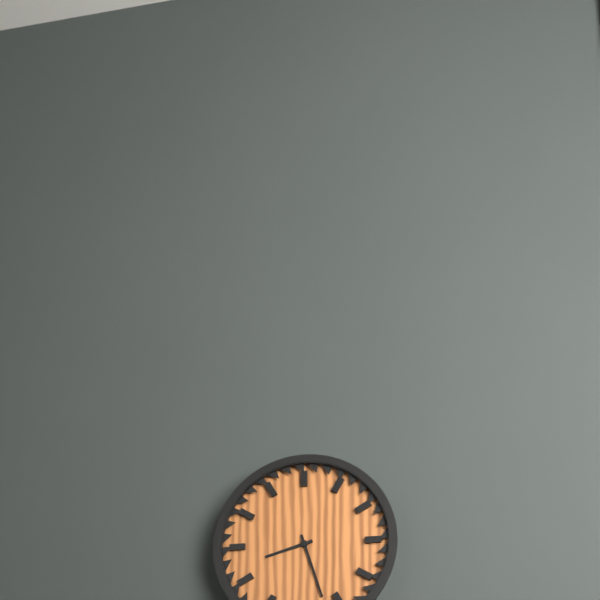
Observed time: 8:27
